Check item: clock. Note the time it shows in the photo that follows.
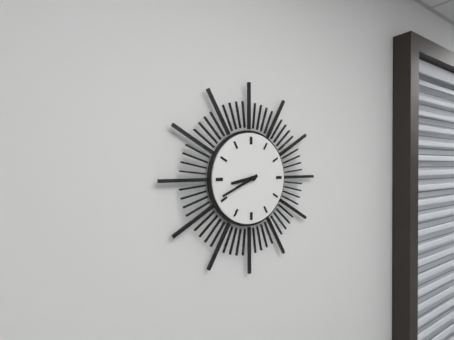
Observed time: 8:41
